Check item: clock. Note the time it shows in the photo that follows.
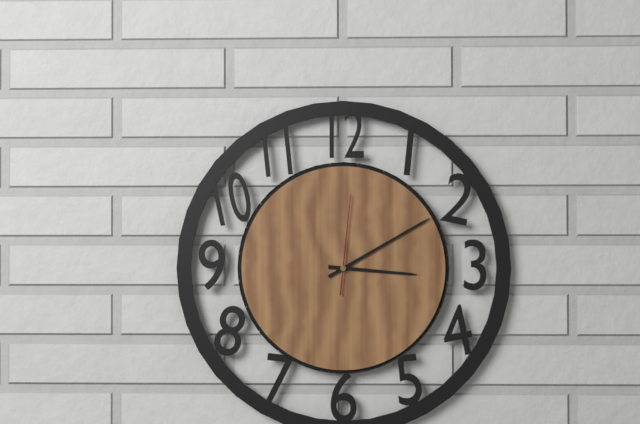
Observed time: 3:10:01
